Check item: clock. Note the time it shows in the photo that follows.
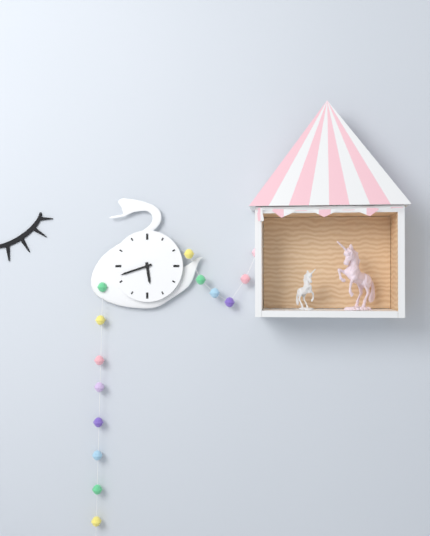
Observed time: 5:42
